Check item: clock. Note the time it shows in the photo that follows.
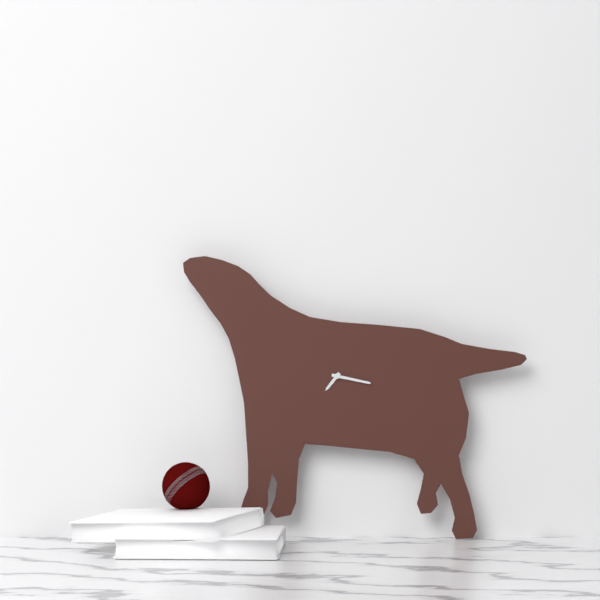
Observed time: 7:17
